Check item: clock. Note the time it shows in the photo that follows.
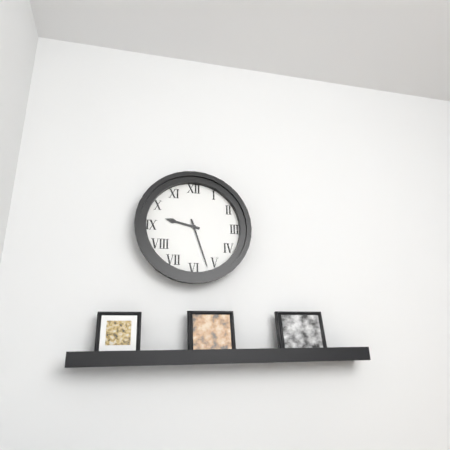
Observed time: 9:27
